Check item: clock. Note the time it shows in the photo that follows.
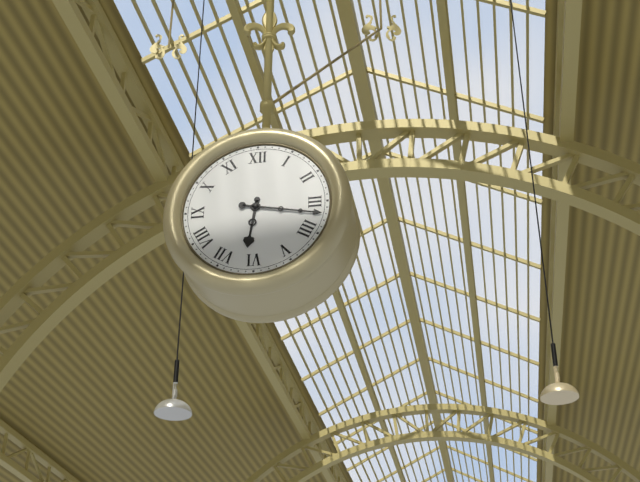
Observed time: 6:17
